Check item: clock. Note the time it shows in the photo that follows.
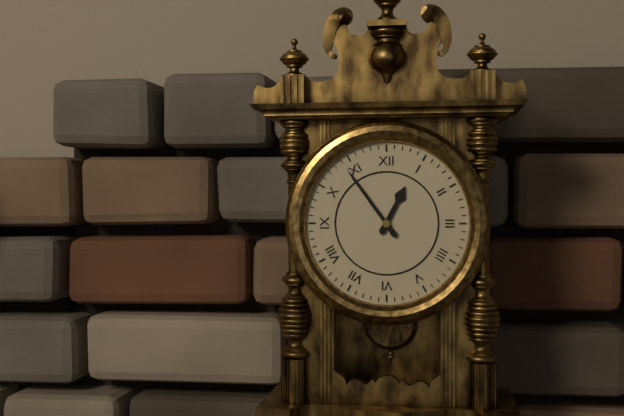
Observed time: 12:54
